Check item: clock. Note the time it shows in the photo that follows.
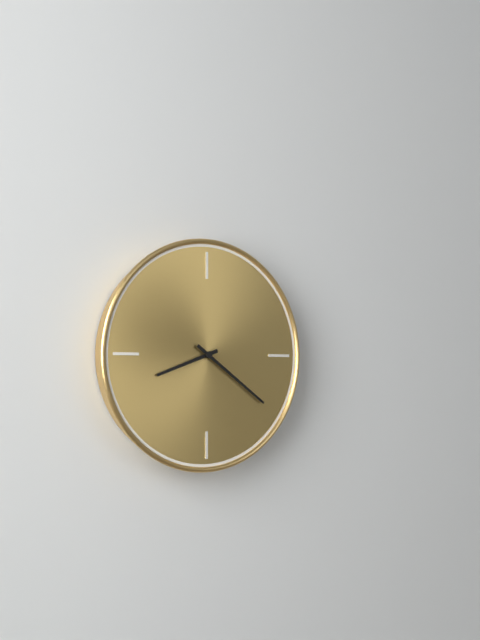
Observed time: 8:21
